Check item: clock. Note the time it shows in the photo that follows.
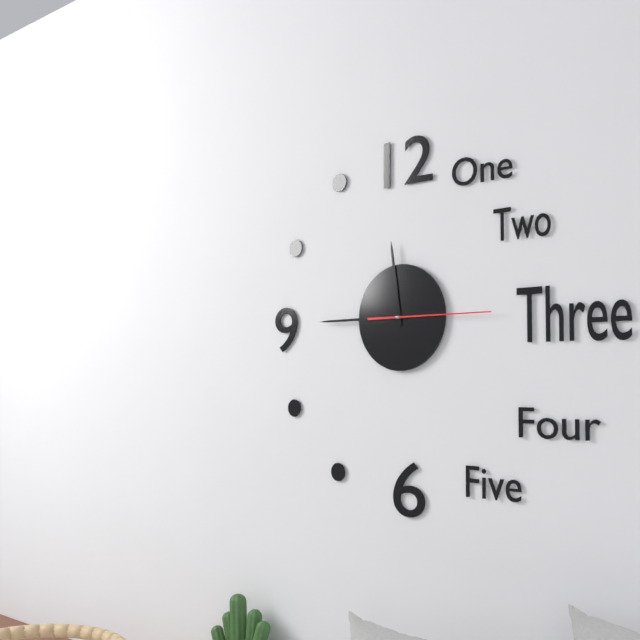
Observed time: 11:45:15
